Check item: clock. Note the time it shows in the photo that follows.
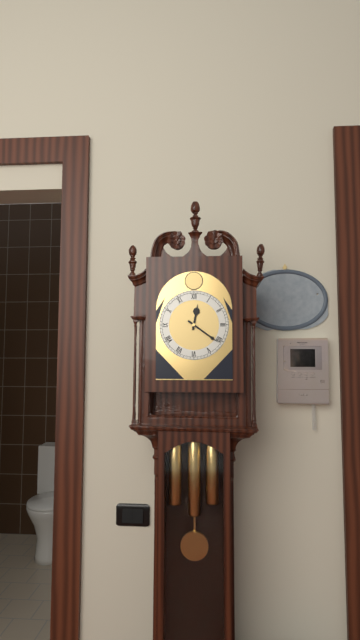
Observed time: 12:21
